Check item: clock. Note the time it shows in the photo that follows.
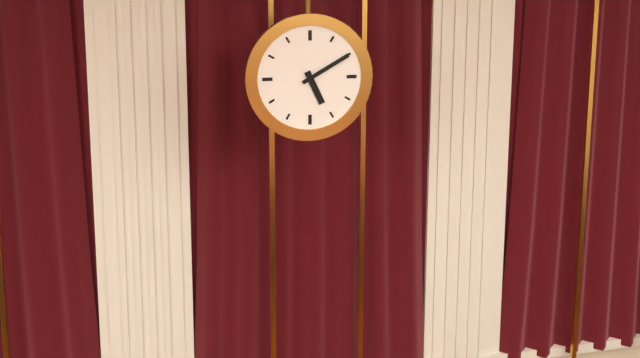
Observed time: 5:10
